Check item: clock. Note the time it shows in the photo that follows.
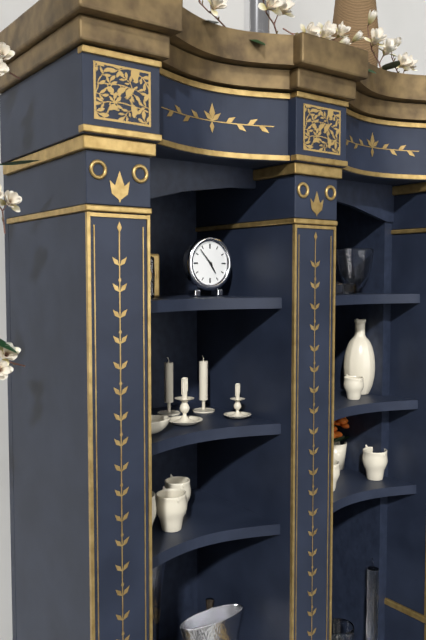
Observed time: 4:53
